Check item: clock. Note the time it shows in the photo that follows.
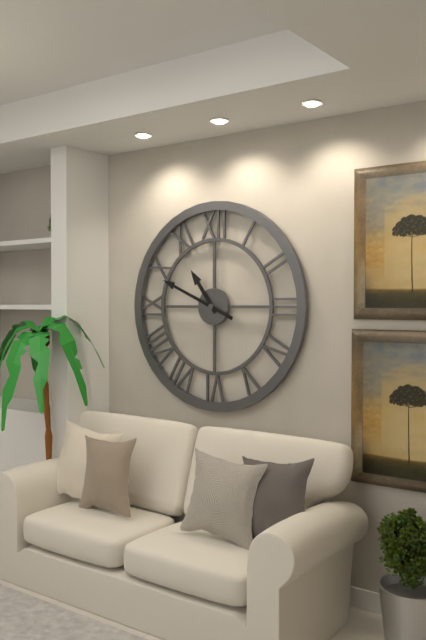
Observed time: 10:49
